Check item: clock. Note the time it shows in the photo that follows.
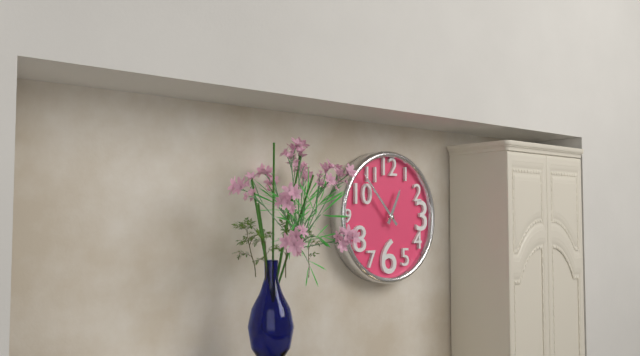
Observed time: 12:53
